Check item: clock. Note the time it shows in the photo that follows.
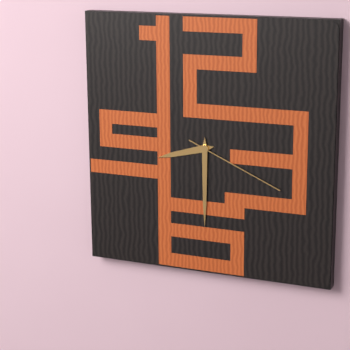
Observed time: 8:30:19
